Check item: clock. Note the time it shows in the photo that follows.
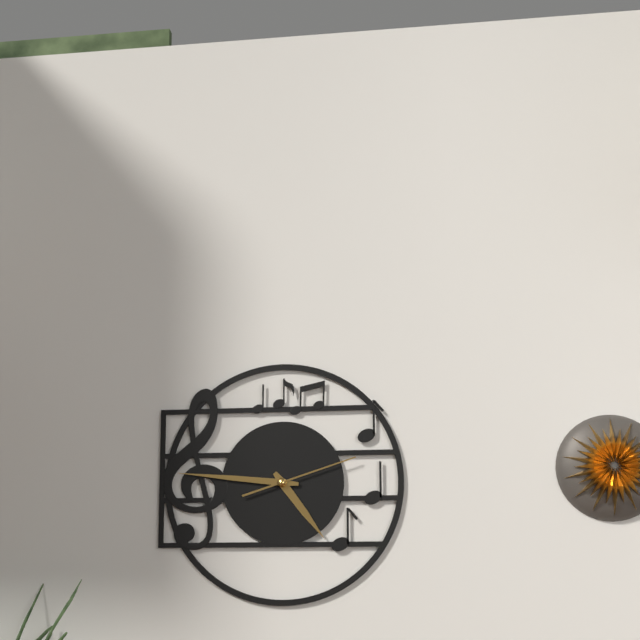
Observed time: 4:46:12
